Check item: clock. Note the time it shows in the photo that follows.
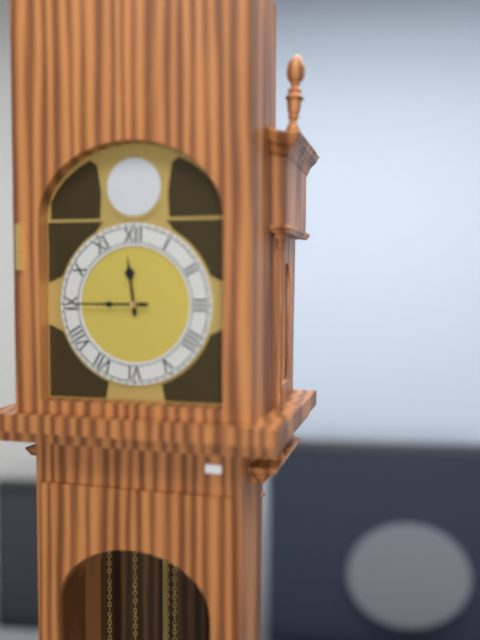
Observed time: 11:45
